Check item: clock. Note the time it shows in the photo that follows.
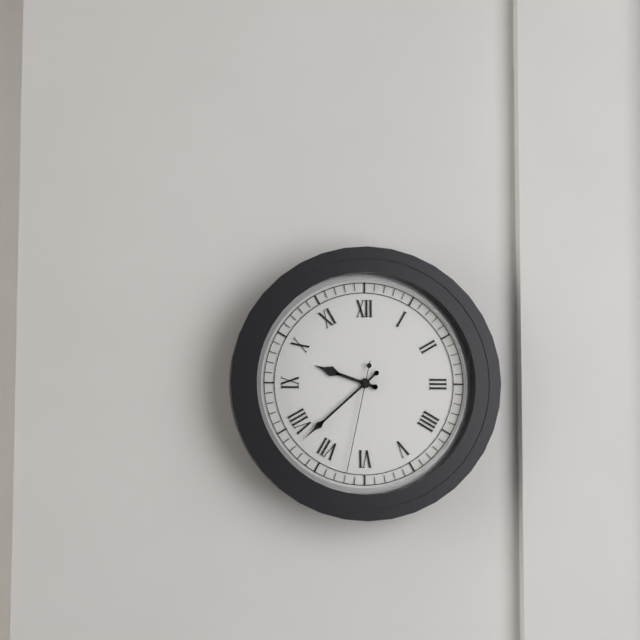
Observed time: 9:38:32
